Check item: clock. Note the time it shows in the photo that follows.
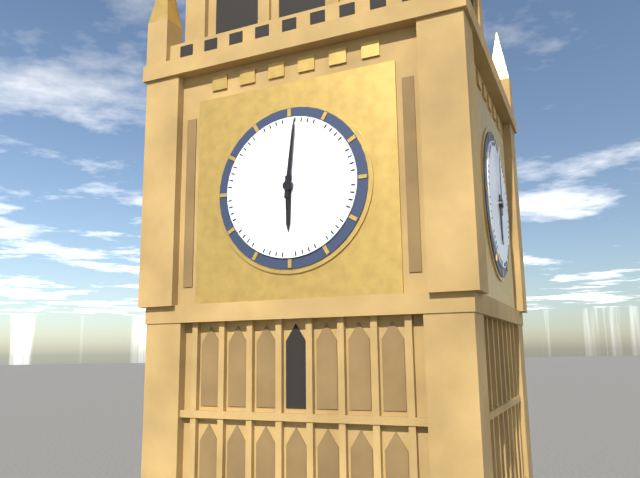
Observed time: 6:01
